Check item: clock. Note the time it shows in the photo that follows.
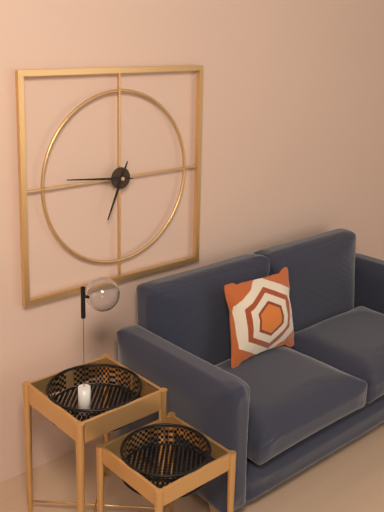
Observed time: 6:46
